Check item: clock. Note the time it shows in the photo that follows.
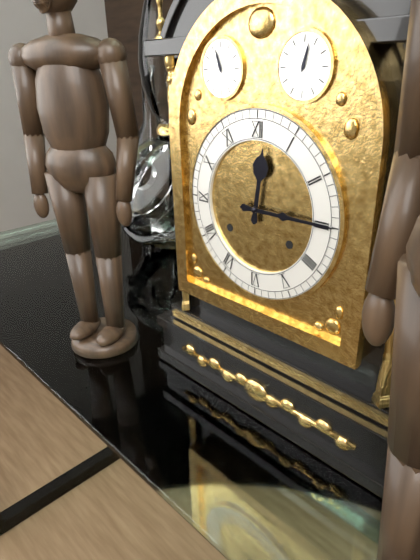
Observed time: 12:15
